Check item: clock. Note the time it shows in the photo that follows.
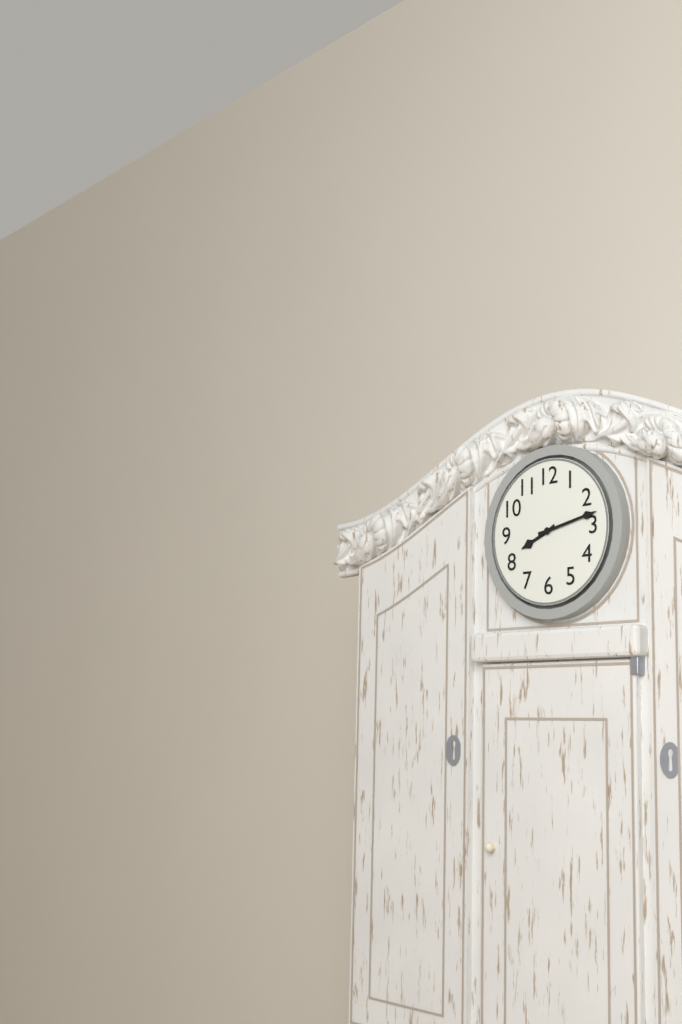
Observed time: 8:13
